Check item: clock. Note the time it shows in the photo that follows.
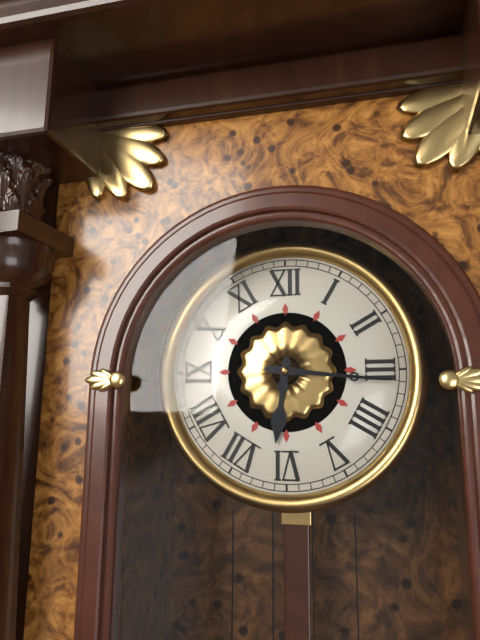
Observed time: 6:16
